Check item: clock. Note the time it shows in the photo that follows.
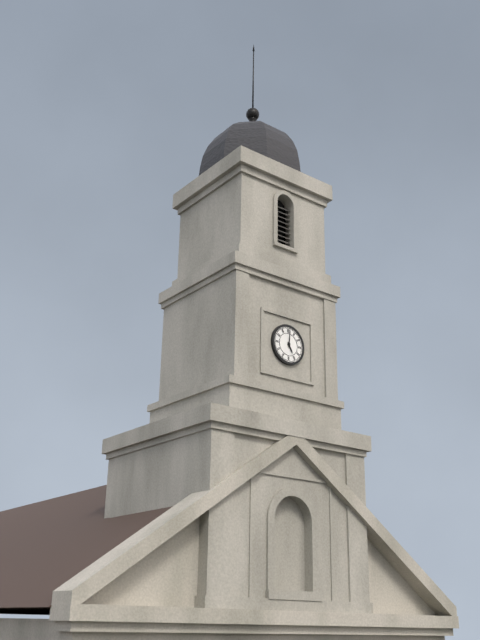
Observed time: 5:01
